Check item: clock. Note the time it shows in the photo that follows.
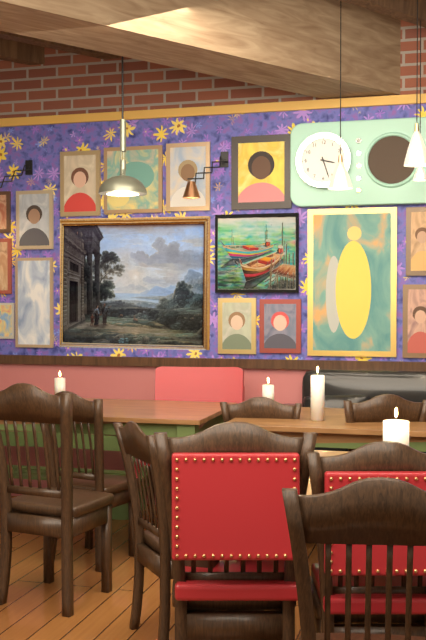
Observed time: 3:27
